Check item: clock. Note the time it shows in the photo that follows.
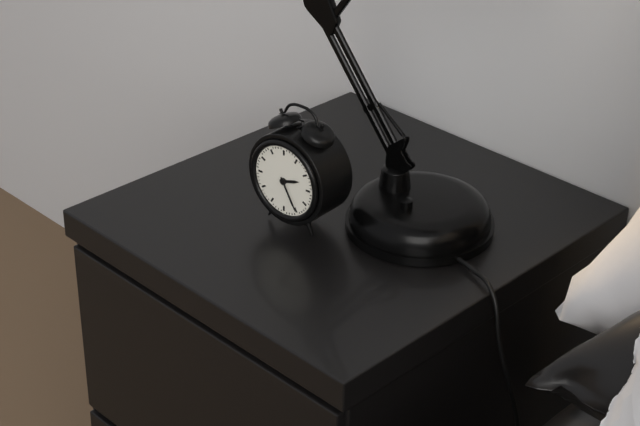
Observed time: 2:25
